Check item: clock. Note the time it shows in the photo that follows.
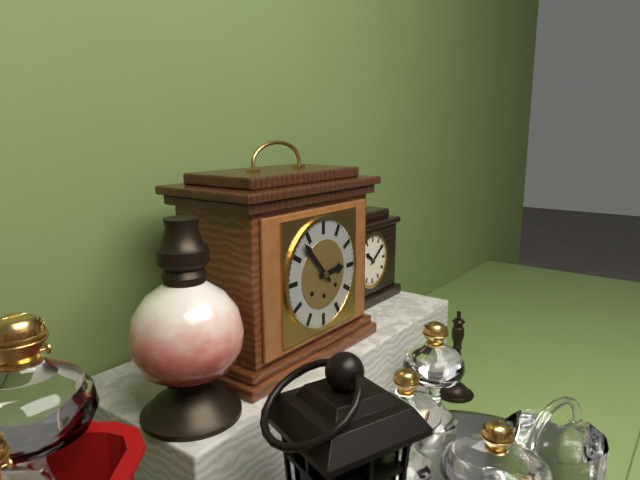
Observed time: 2:53
